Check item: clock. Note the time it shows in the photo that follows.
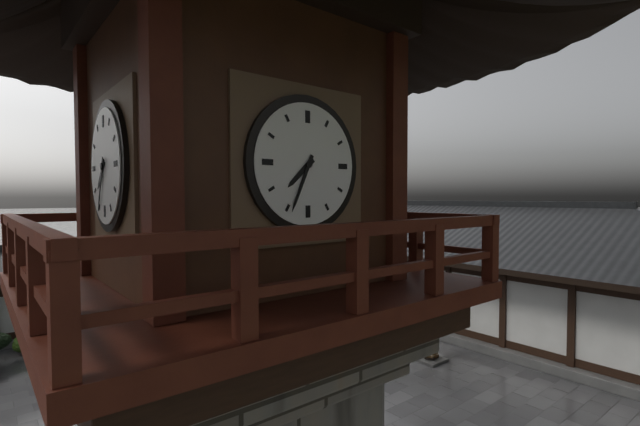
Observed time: 7:34
